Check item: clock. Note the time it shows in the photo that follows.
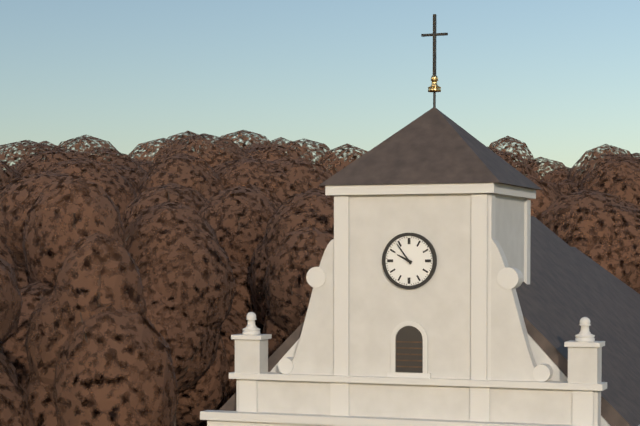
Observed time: 9:54
